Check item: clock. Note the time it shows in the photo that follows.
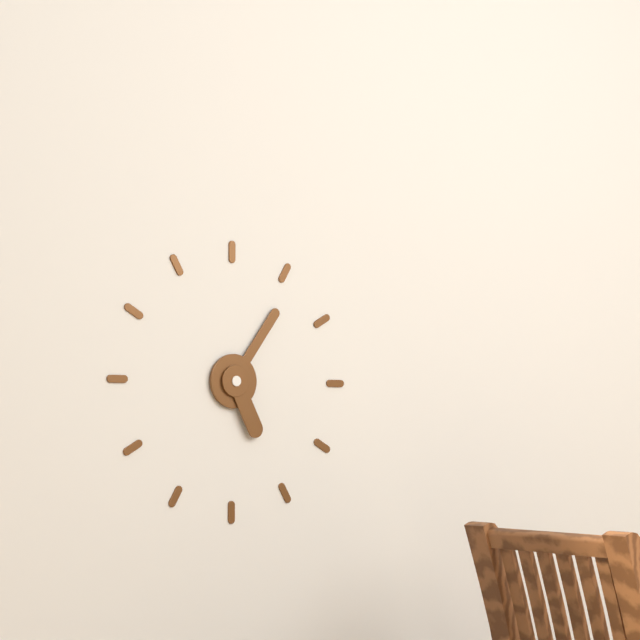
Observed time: 5:06
